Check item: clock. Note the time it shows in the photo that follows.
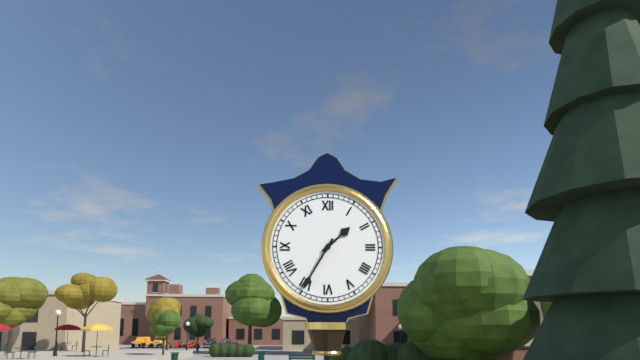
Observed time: 1:35
